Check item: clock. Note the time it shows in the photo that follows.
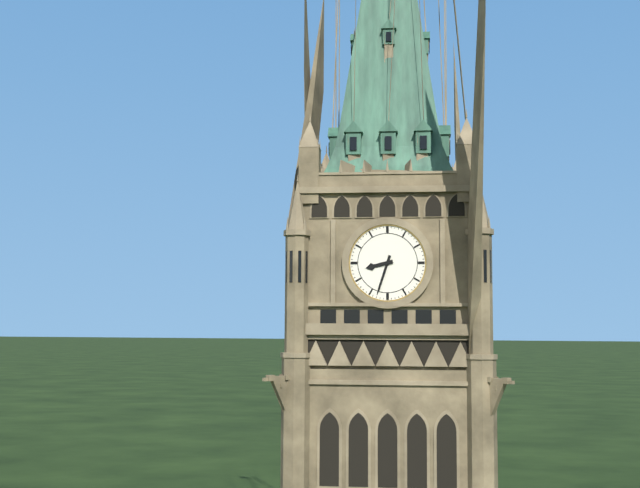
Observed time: 8:33
